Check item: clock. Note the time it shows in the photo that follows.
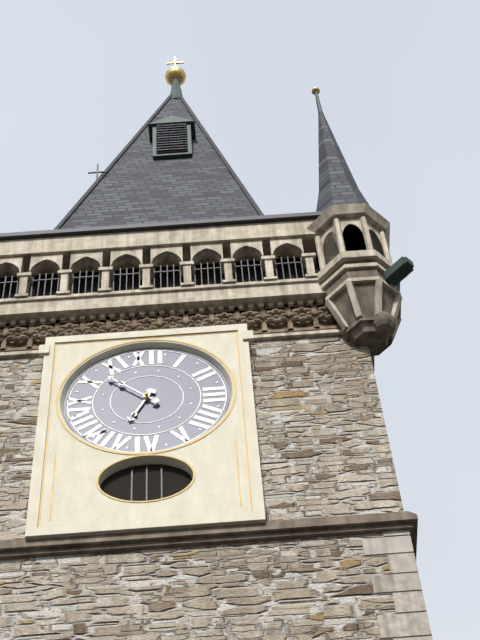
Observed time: 6:52
